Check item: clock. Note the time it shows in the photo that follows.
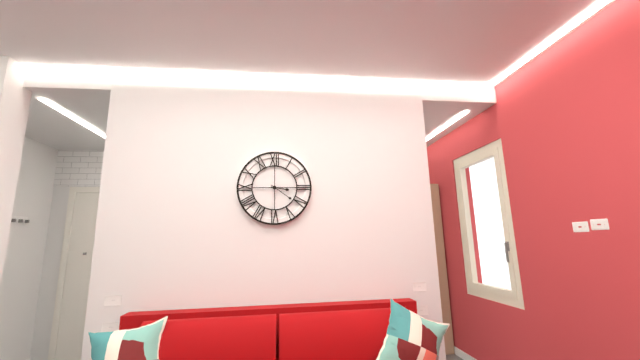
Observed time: 3:21
